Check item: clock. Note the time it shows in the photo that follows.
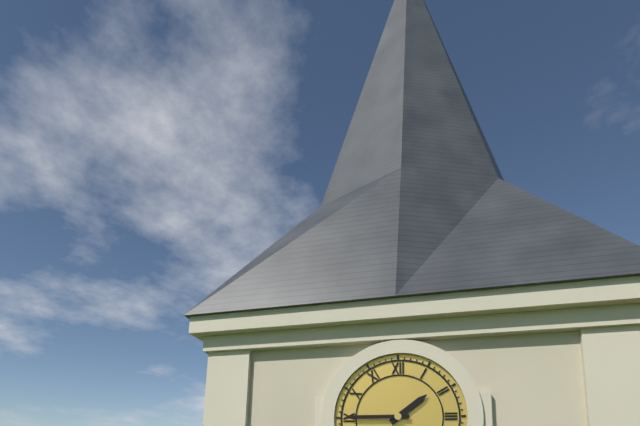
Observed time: 1:45
